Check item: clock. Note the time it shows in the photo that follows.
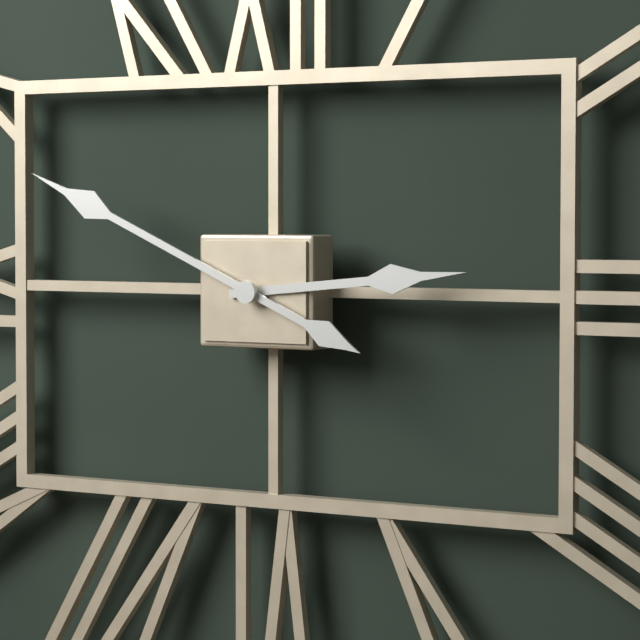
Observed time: 2:49
